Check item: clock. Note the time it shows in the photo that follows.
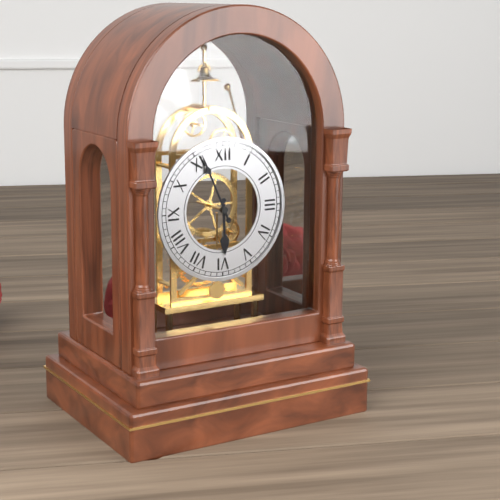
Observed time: 5:56
